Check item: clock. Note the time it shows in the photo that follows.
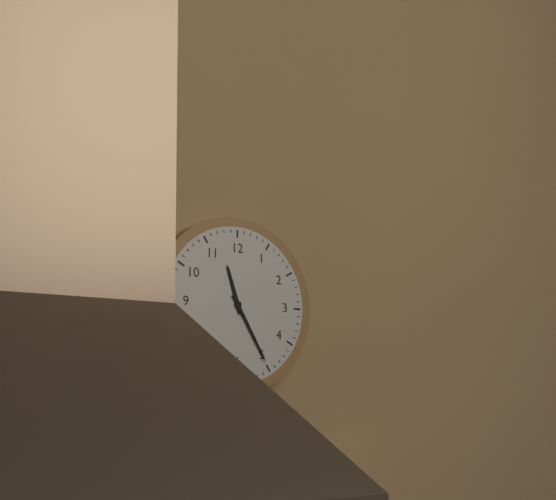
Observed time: 11:25
